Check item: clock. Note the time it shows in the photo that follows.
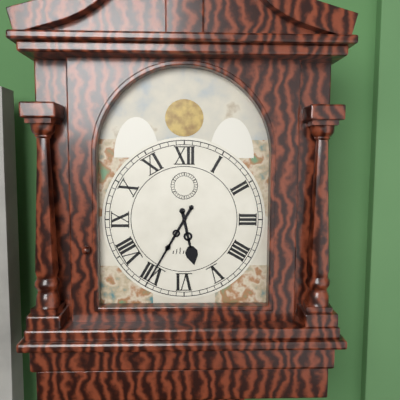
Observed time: 5:35
